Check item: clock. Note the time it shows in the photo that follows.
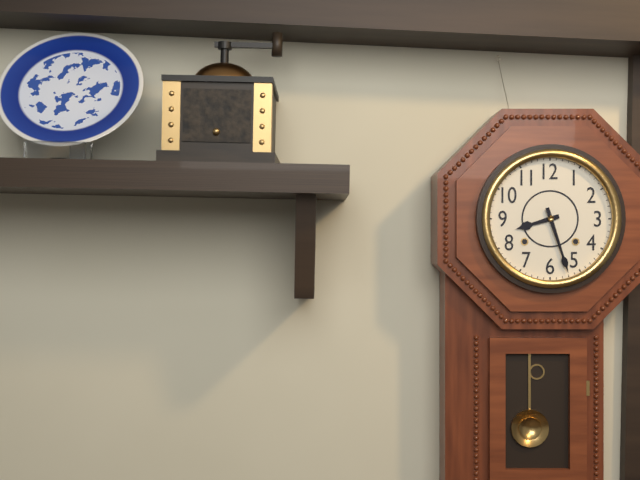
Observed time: 8:27
